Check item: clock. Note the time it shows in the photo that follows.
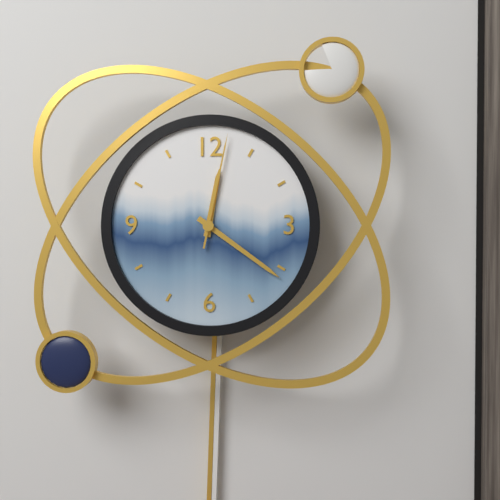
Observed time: 12:21:02
